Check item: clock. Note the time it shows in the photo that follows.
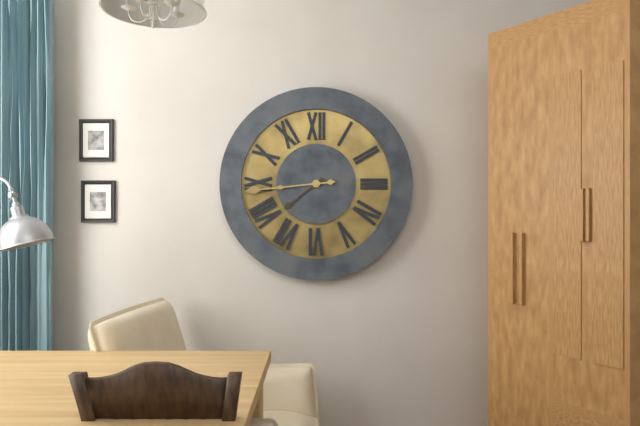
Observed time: 7:44
